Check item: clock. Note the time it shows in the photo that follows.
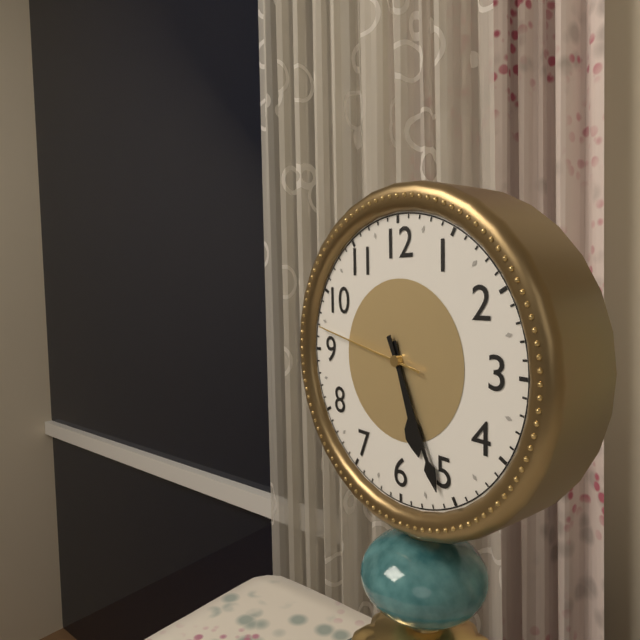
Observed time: 5:26:47
